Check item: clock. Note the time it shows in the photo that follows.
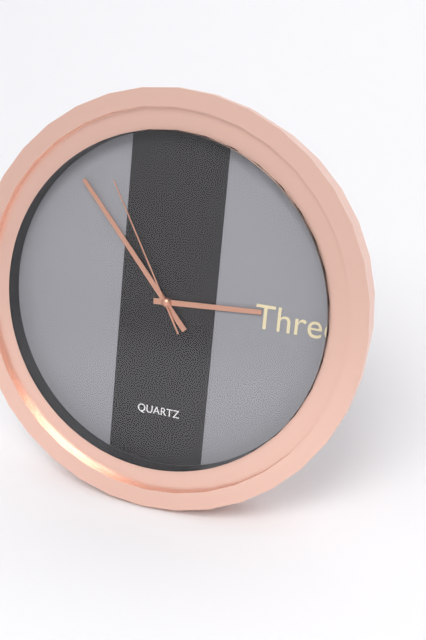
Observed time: 2:53:55
